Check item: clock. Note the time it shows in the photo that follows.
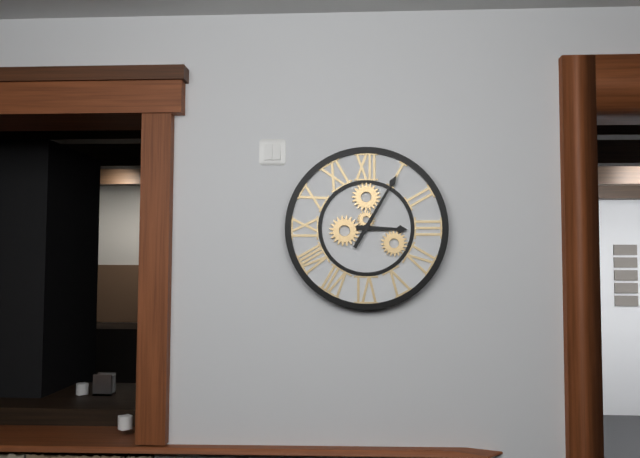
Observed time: 3:05
